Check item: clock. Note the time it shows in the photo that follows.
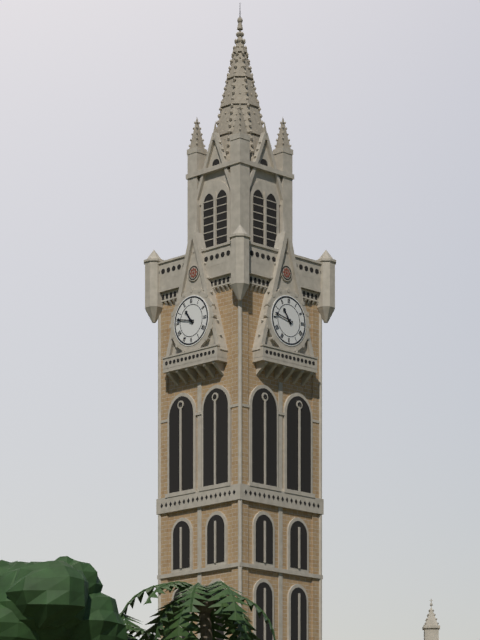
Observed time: 10:47
